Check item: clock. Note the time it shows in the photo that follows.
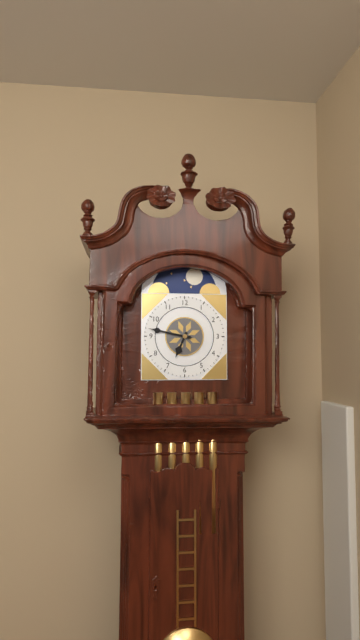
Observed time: 6:47
